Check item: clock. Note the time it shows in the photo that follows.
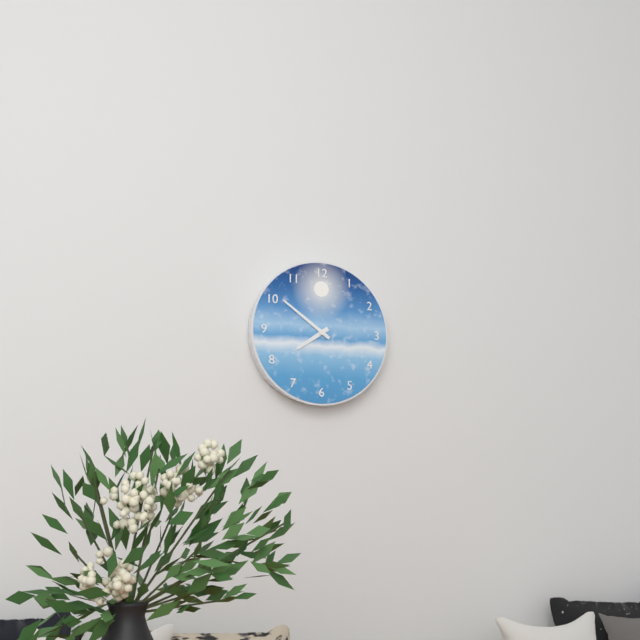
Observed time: 7:51
